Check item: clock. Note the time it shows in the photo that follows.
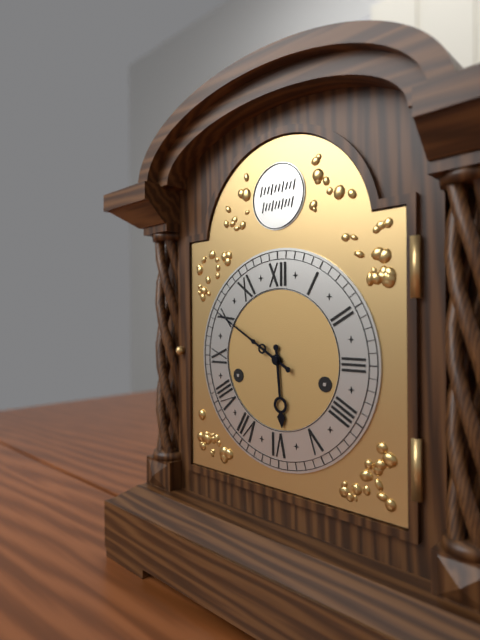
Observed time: 5:50
